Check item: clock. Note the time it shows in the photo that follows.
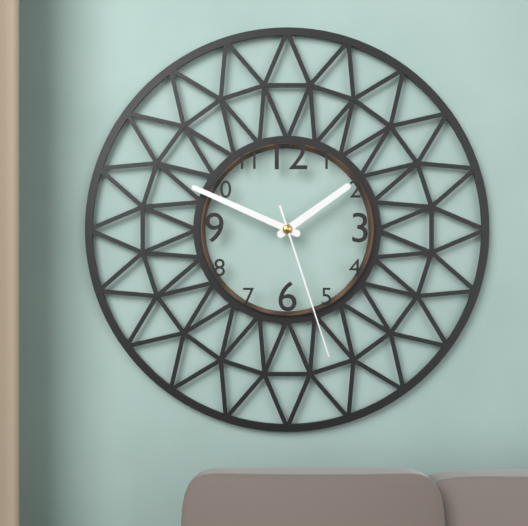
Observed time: 1:49:27
